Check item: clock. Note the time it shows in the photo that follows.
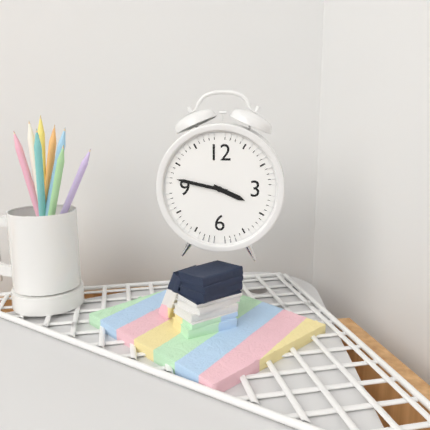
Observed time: 3:47
